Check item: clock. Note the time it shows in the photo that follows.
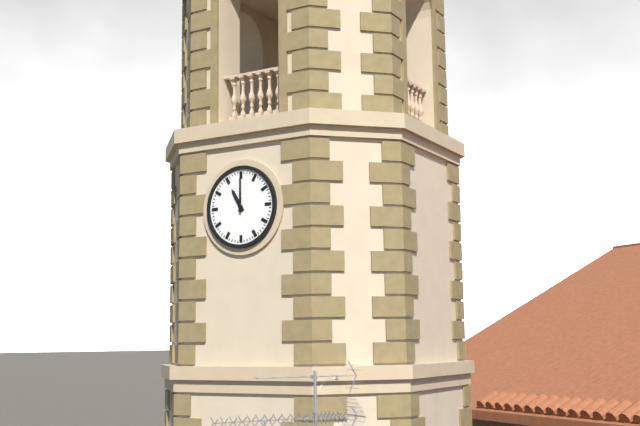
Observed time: 11:00
